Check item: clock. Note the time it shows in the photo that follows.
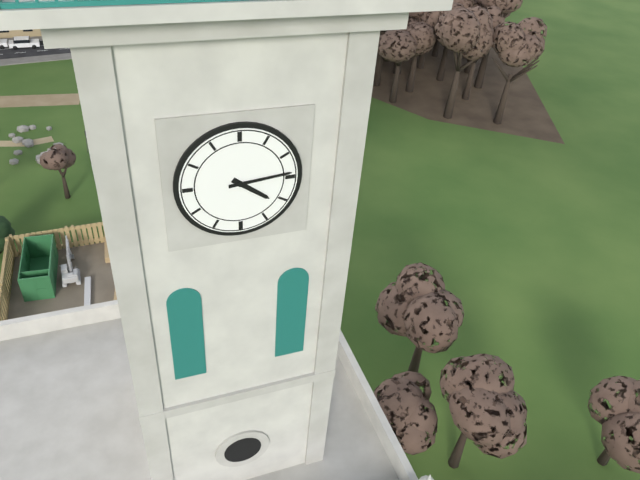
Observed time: 4:14
